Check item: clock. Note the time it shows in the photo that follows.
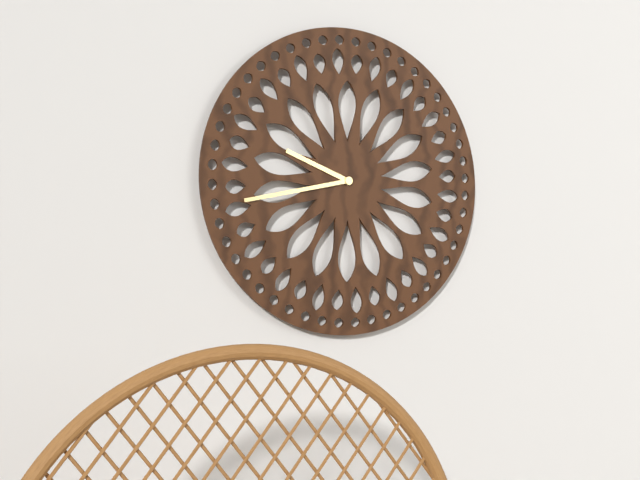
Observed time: 9:43
